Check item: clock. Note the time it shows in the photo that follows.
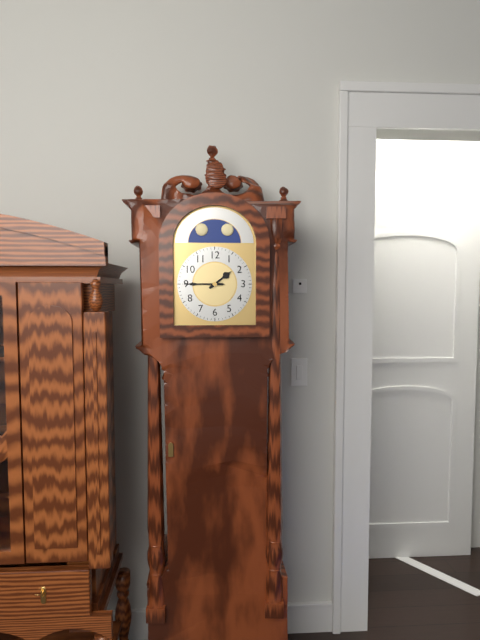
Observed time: 1:45
